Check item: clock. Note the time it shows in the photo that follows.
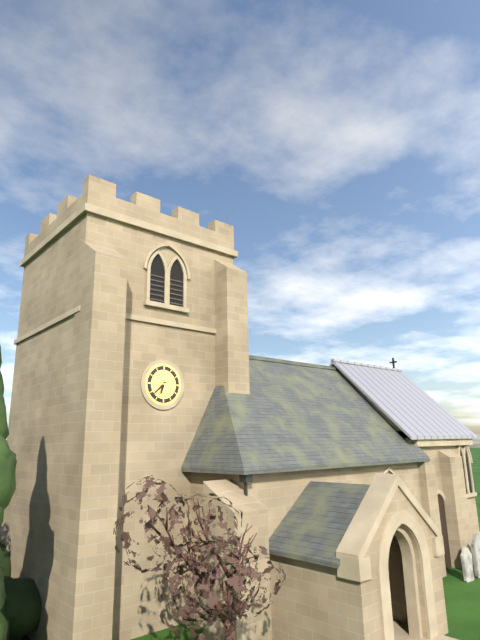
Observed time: 6:38
